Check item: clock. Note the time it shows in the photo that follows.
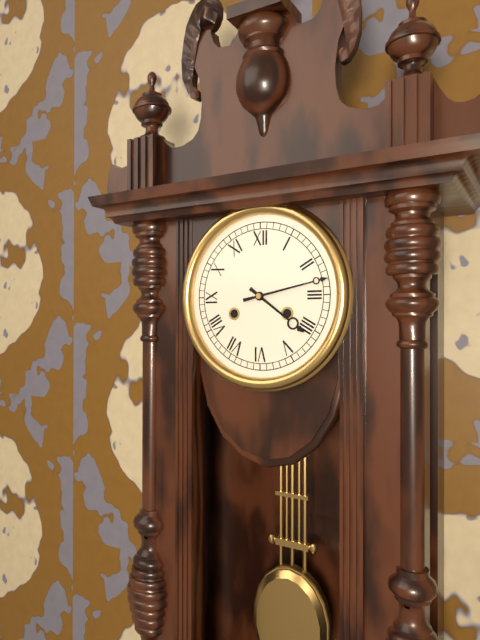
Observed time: 4:13
